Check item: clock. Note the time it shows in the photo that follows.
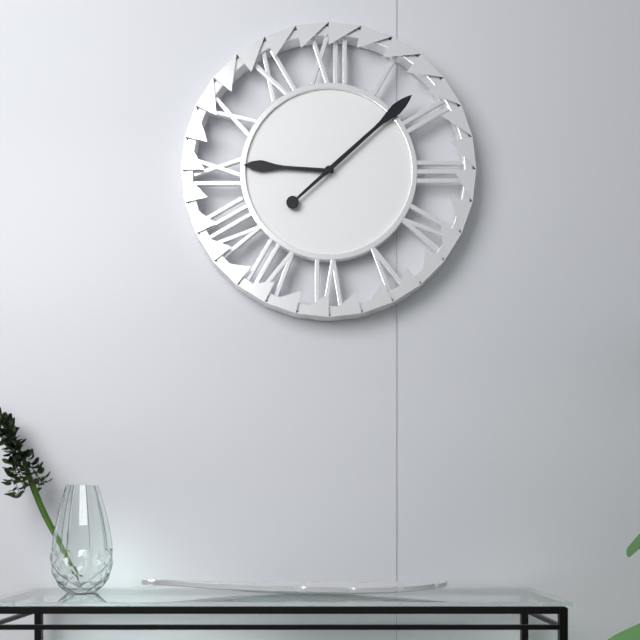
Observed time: 9:08
